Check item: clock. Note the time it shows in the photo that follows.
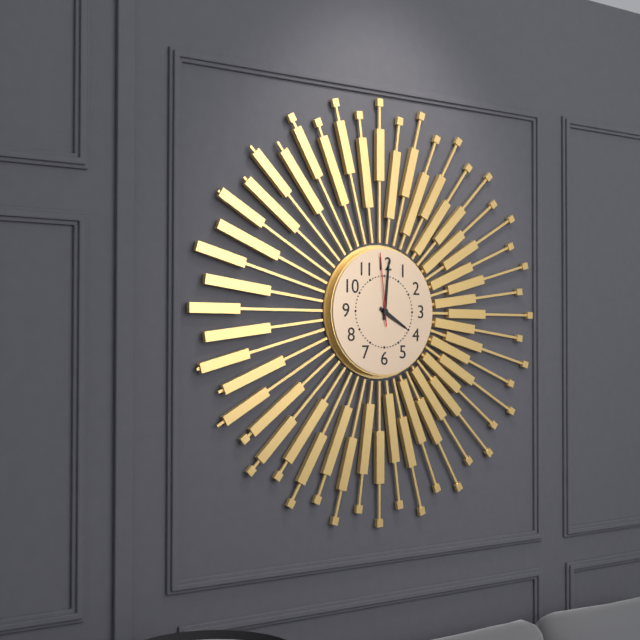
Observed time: 4:01:59
